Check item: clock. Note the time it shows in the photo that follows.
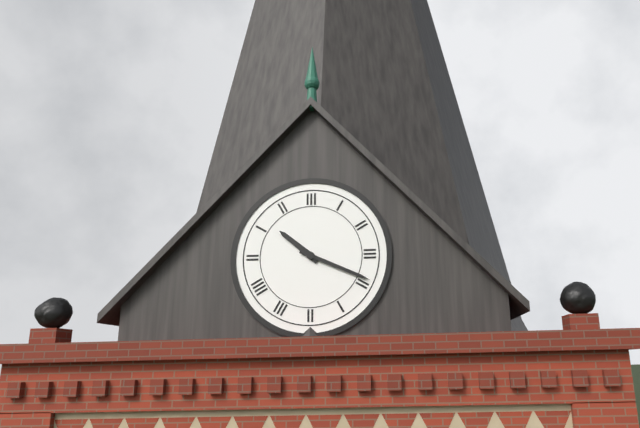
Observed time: 10:19
